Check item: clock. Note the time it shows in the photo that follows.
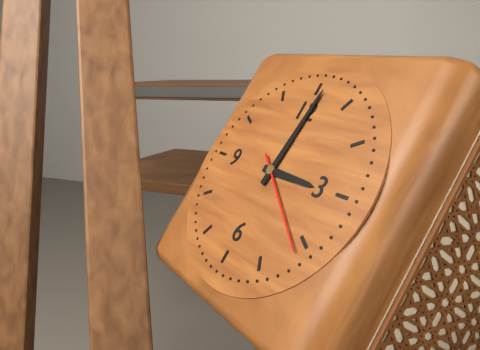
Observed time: 3:01:21
